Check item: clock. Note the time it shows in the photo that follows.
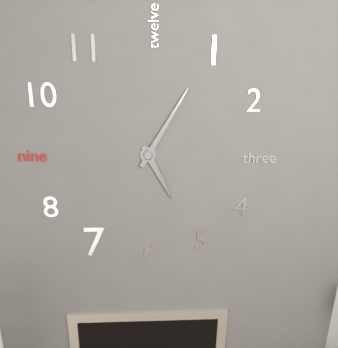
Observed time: 5:05
